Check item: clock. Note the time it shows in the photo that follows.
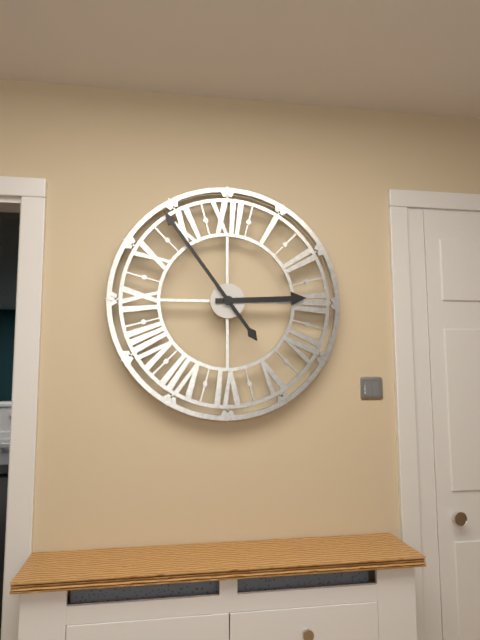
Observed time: 2:54
